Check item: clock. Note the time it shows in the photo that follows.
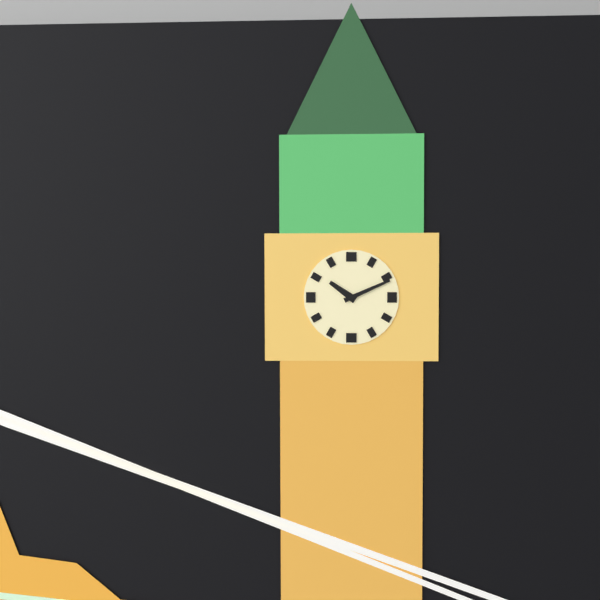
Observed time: 10:11
